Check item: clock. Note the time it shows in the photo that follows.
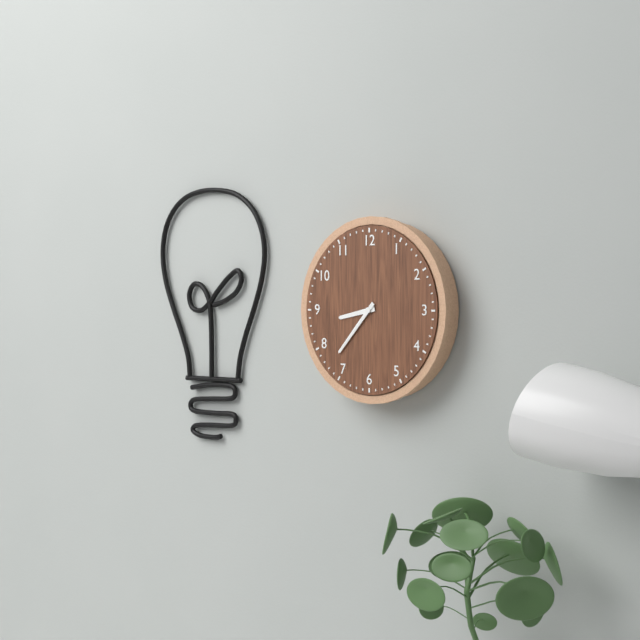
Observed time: 8:37
